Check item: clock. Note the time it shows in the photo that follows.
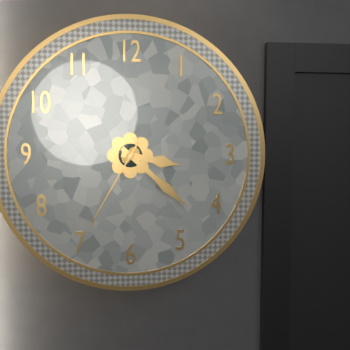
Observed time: 3:22:35
